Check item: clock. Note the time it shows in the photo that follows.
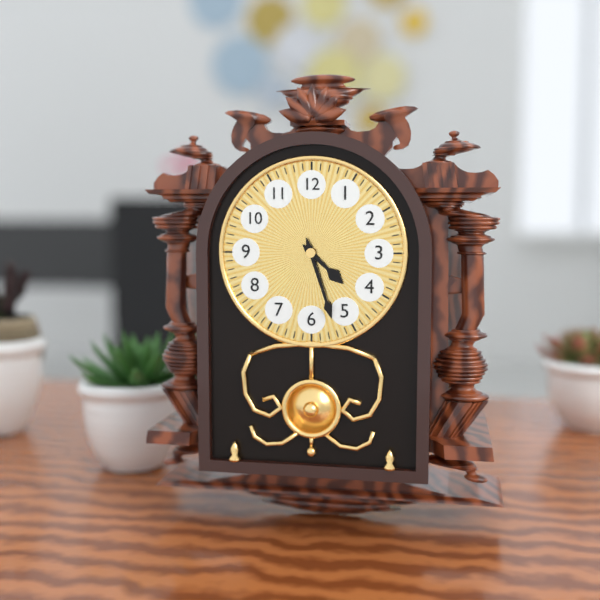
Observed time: 4:27
